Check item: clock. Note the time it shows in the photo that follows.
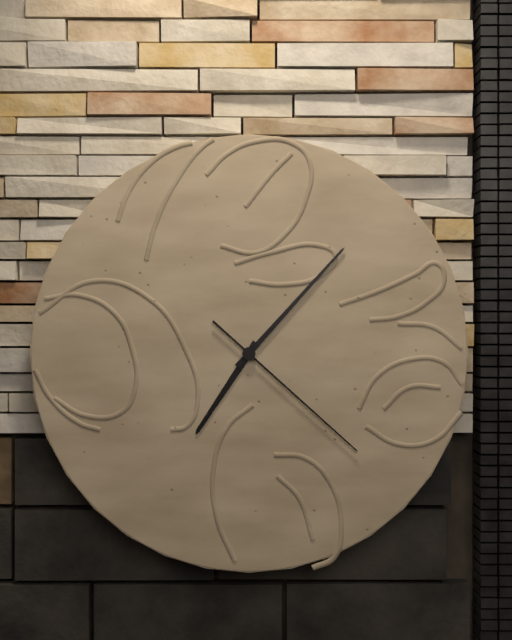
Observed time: 7:07:22
